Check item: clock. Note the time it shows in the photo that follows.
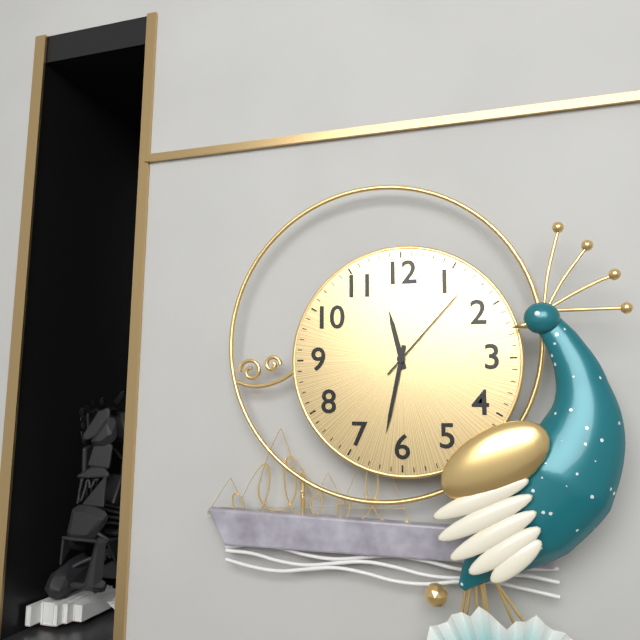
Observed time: 11:32:07
